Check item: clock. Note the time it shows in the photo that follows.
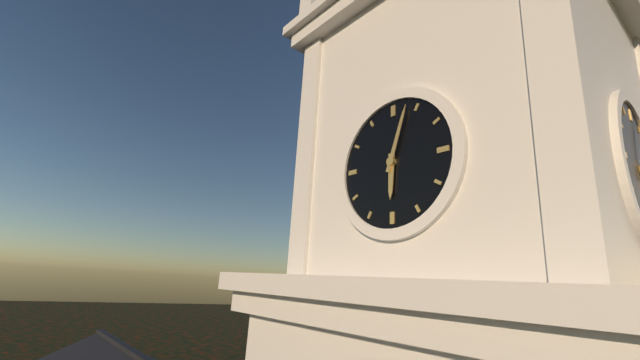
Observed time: 6:03
